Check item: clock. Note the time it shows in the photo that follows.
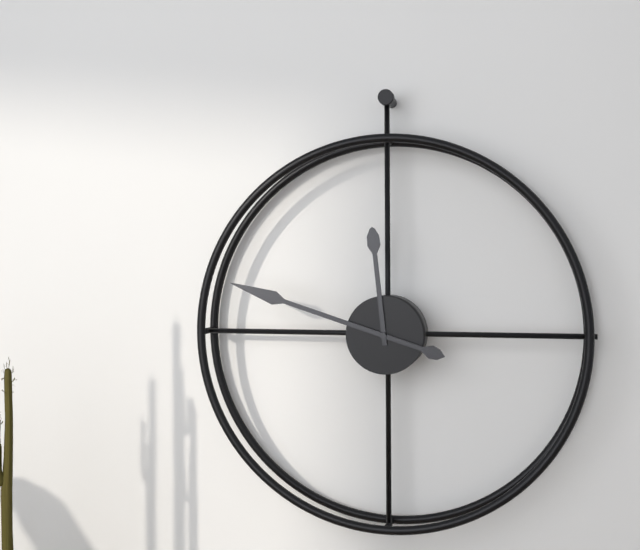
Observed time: 11:48
